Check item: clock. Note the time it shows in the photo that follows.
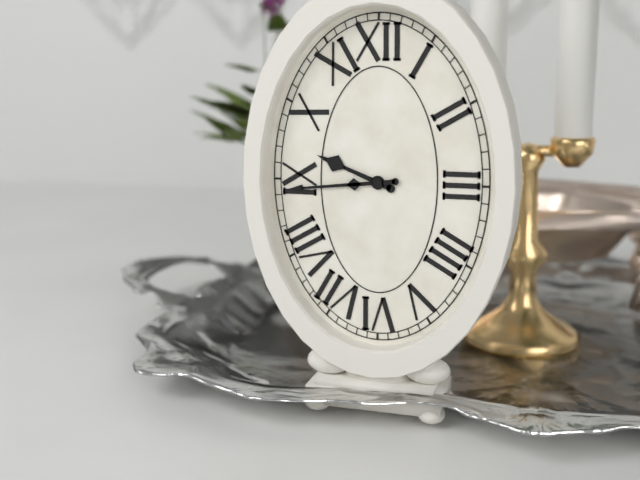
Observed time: 9:44
